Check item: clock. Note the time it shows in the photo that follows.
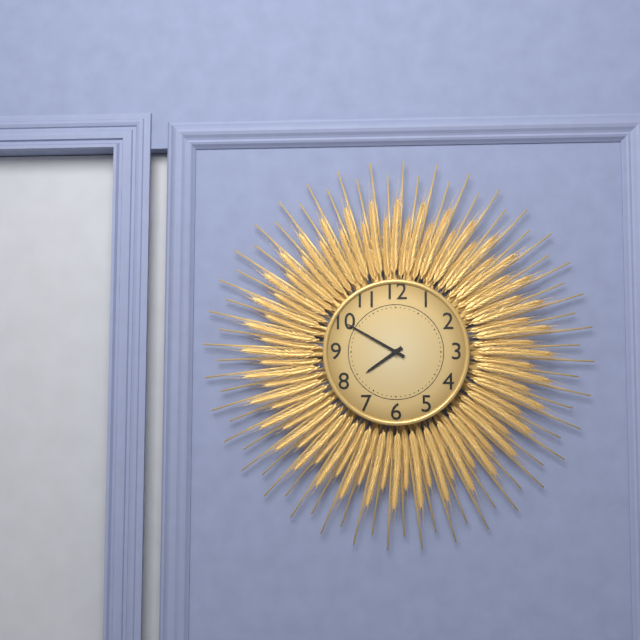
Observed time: 7:50
